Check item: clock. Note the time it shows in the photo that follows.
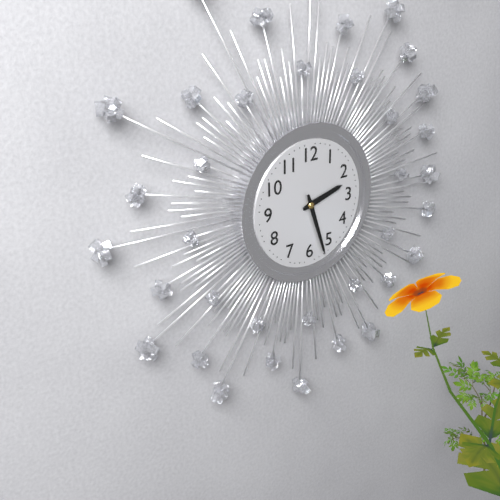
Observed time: 2:27
